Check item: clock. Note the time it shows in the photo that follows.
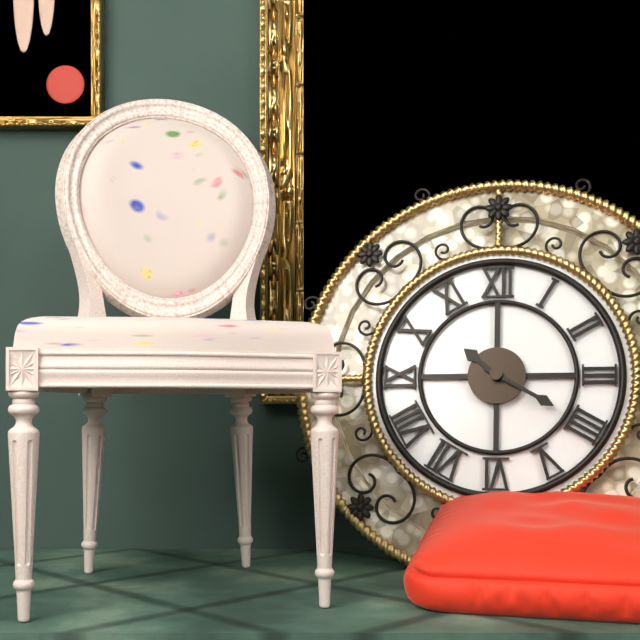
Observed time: 10:20
